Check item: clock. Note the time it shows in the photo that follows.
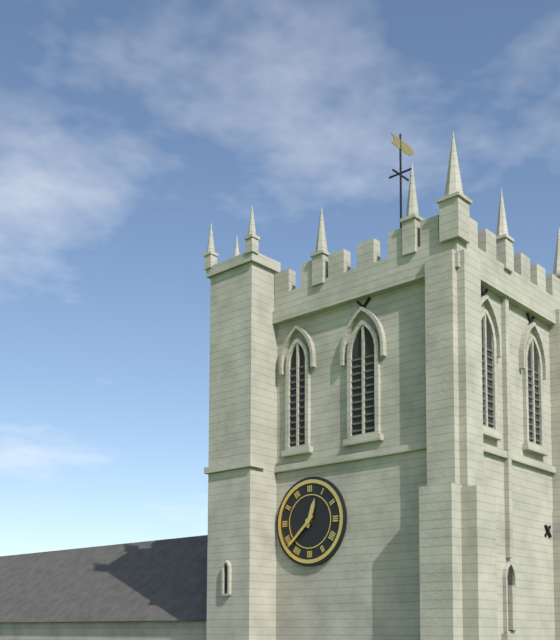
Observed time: 12:38
